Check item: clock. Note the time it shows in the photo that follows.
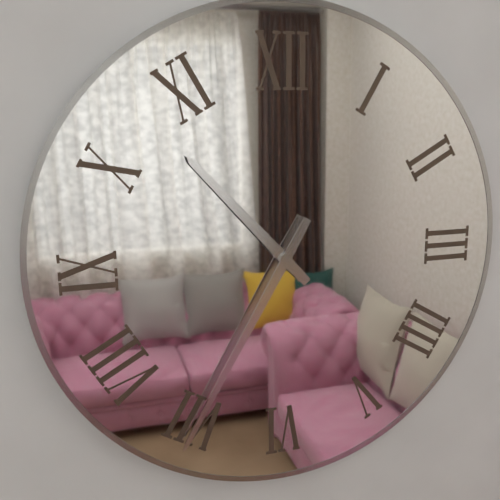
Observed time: 10:35
